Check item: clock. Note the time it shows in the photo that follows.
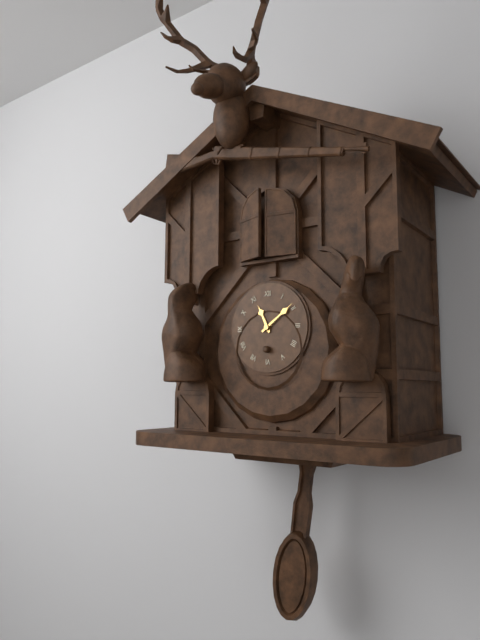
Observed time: 11:09
